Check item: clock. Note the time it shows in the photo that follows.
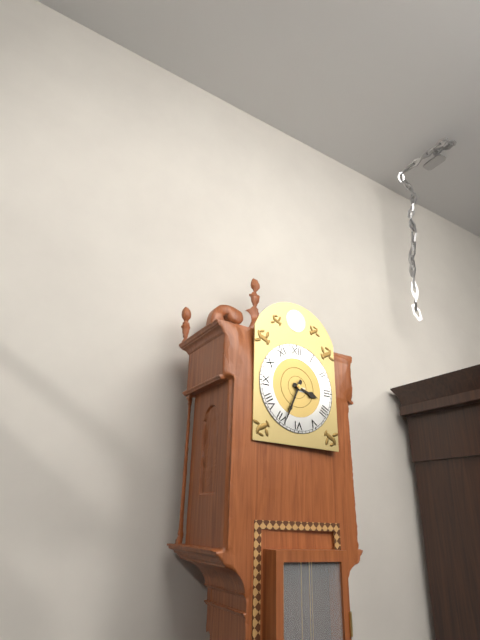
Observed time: 3:34
